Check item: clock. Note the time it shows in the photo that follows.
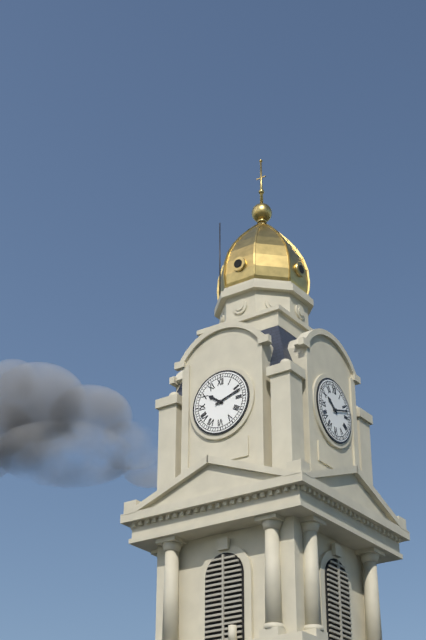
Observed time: 10:12
